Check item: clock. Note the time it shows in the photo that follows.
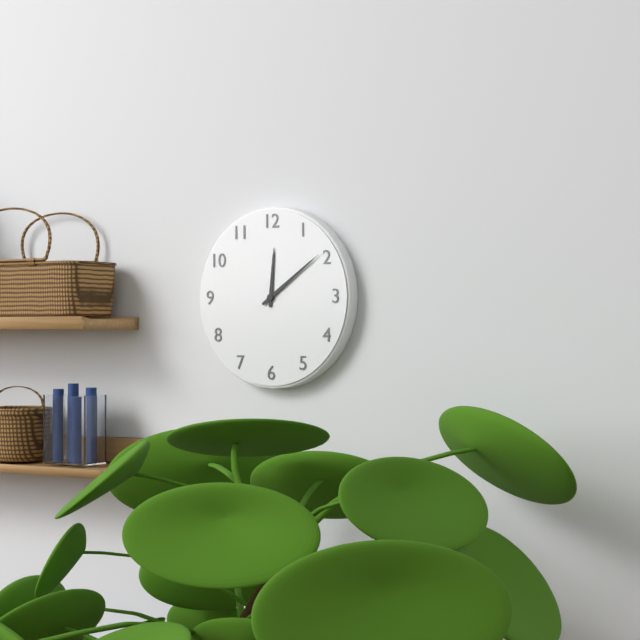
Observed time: 12:09
